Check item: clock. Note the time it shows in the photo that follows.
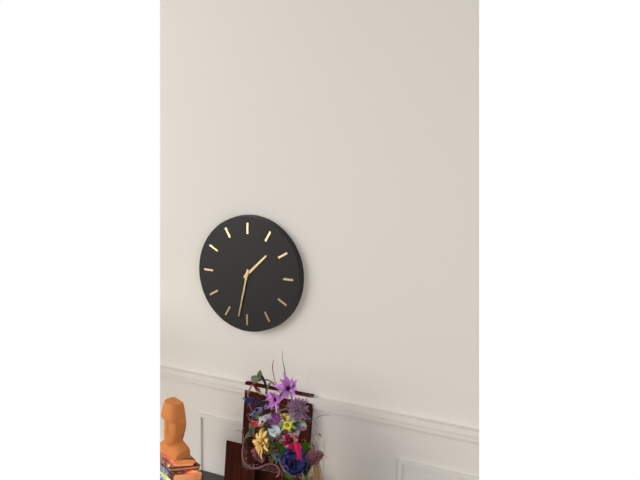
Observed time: 1:32
